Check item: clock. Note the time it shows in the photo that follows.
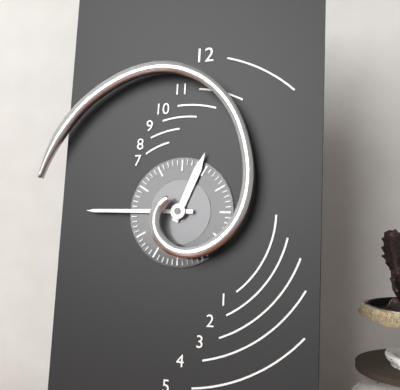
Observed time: 12:45
